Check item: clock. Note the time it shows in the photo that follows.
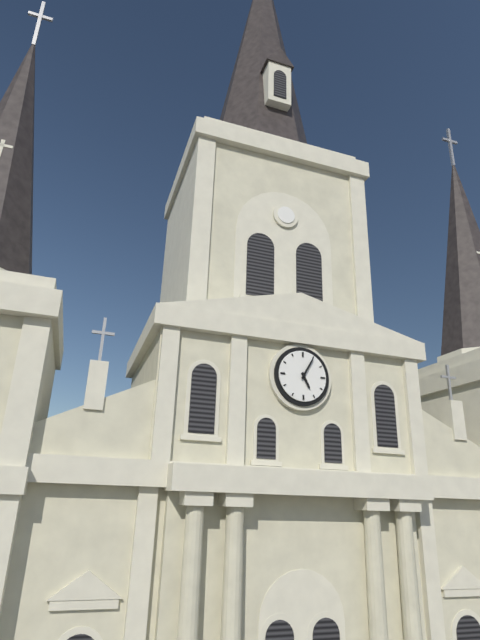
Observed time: 5:05
